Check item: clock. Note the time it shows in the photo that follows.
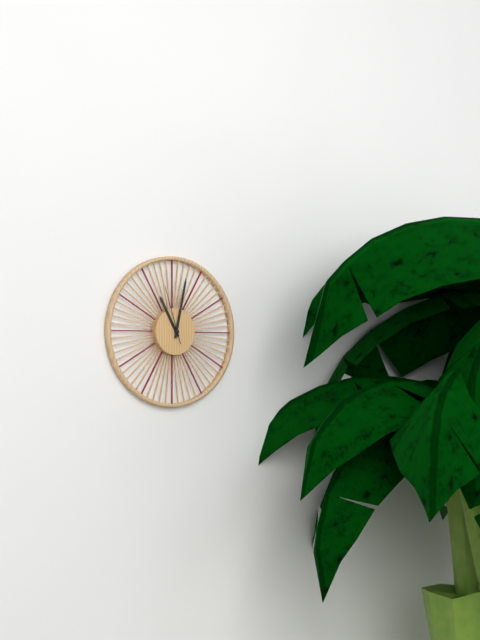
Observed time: 11:02:57
